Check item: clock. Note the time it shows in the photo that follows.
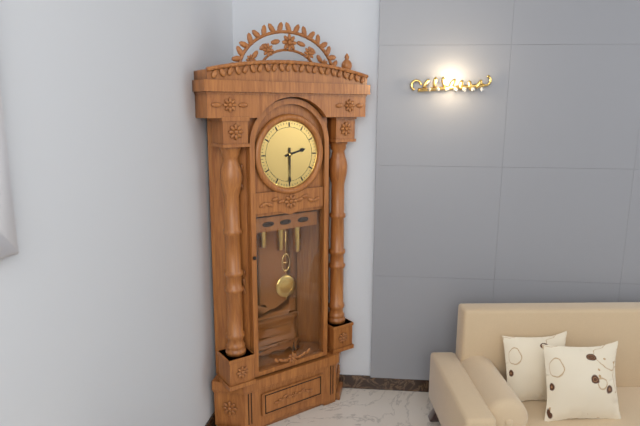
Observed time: 2:30
